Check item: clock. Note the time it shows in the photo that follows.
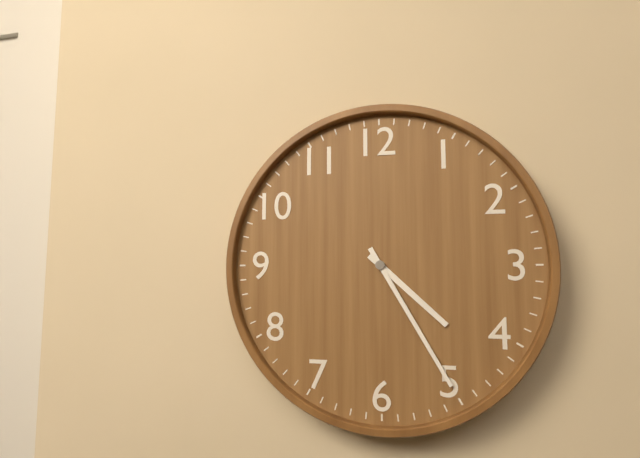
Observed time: 4:25
